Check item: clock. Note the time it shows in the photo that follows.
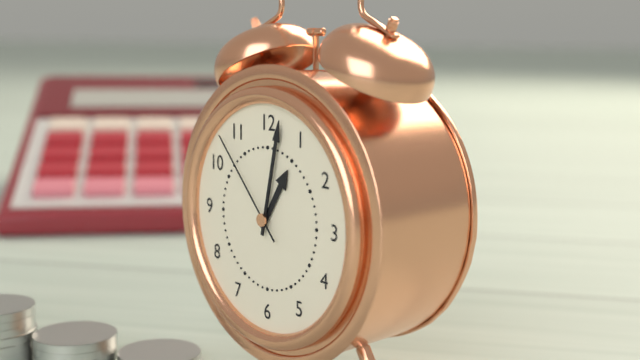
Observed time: 1:02:53
